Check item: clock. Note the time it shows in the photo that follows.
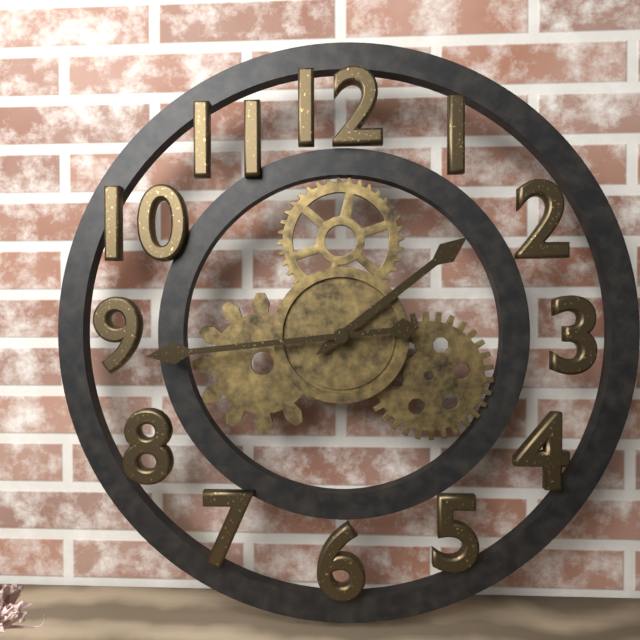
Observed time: 1:44
